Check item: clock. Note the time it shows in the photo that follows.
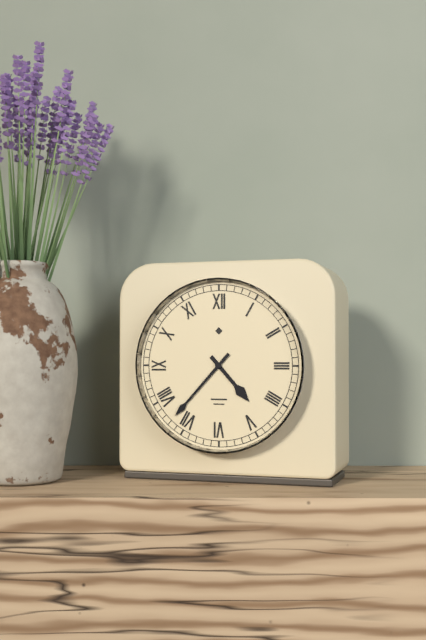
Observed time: 4:37
